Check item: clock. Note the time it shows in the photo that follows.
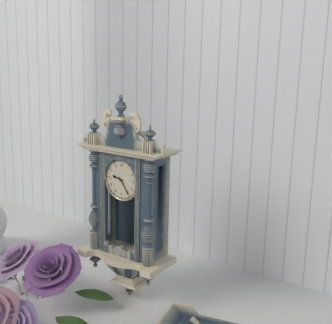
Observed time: 9:24
